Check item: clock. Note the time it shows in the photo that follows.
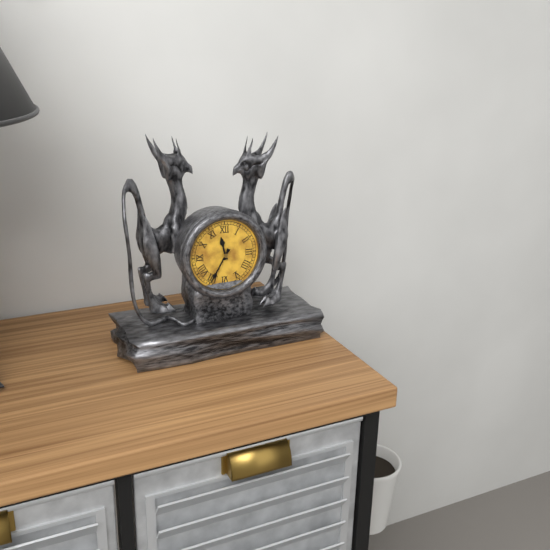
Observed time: 11:35
